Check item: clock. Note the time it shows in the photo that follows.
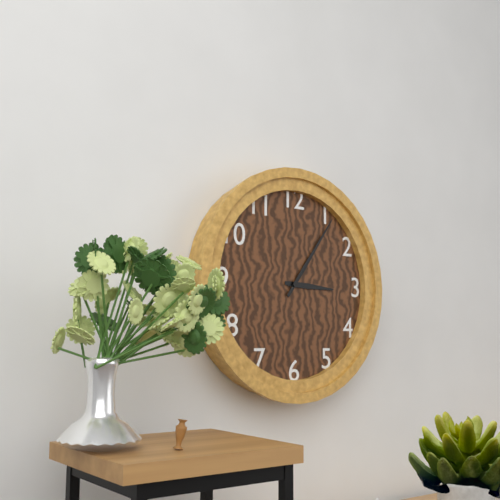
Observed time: 3:06
